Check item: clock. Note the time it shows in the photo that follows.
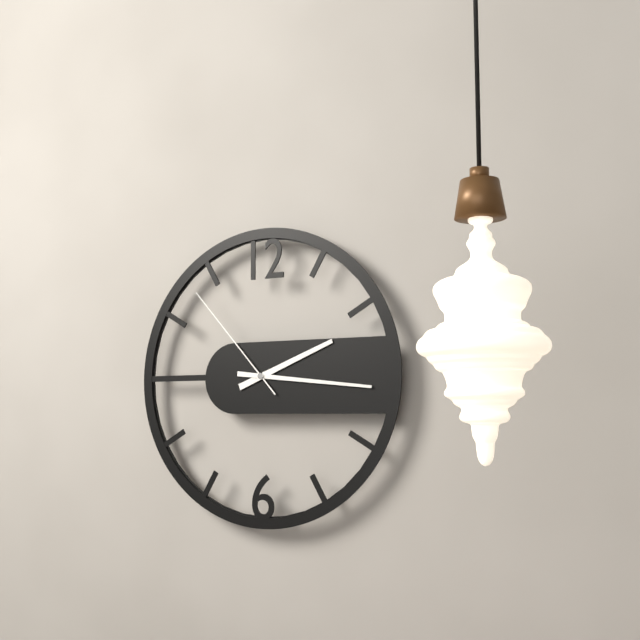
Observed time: 2:16:53
